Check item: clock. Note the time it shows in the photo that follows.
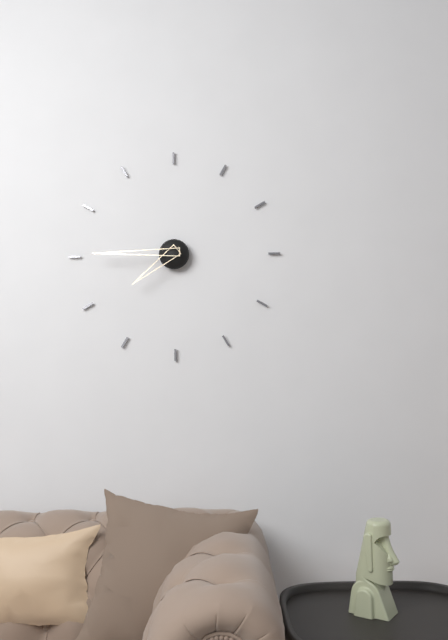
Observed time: 7:45
